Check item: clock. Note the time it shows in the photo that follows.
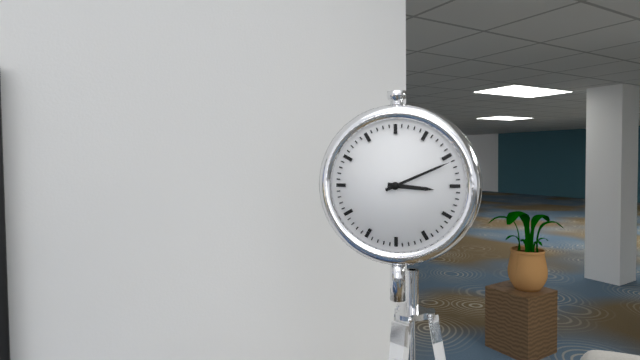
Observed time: 3:11
